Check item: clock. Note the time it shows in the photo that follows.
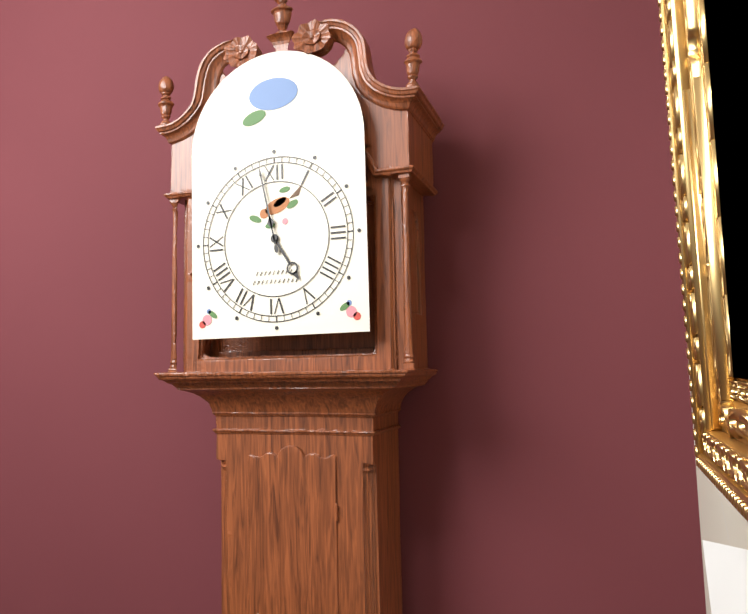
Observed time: 4:58
